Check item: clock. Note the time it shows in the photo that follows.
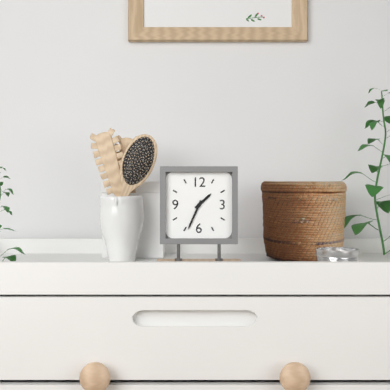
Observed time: 1:34
